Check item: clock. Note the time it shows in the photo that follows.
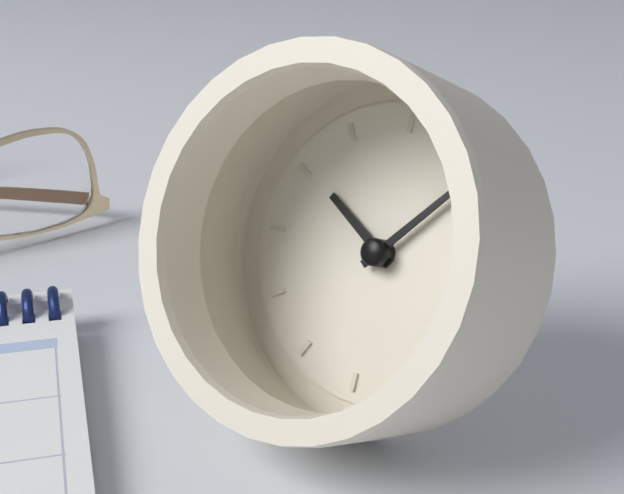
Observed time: 10:07
